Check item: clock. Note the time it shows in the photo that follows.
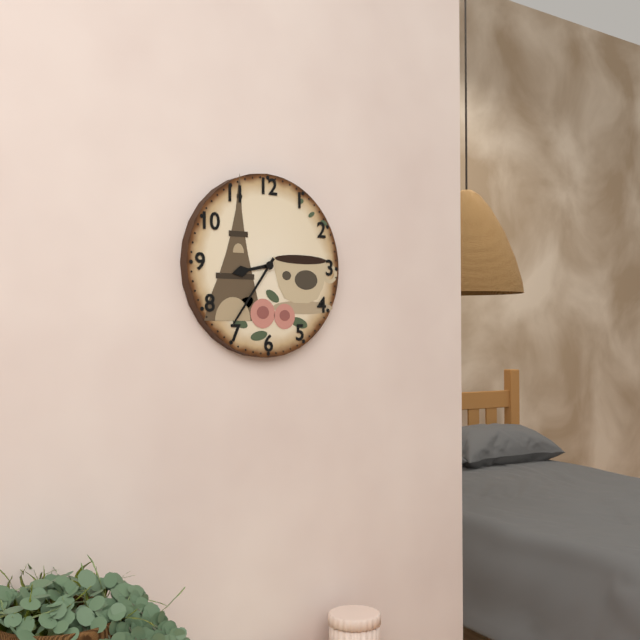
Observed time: 8:36
